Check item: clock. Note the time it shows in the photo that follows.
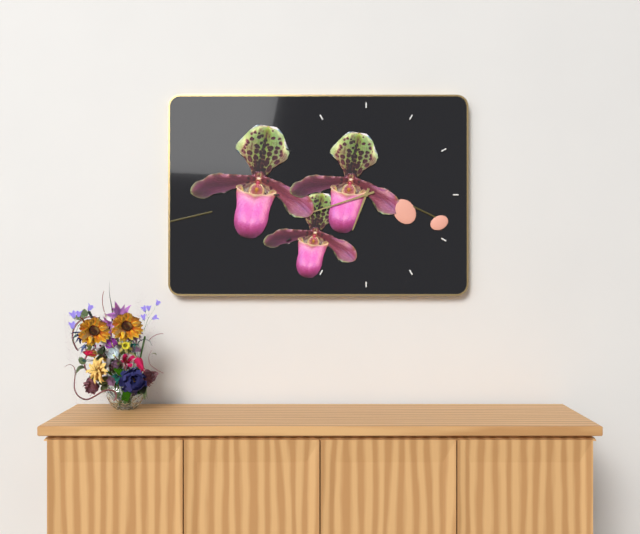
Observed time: 6:42
